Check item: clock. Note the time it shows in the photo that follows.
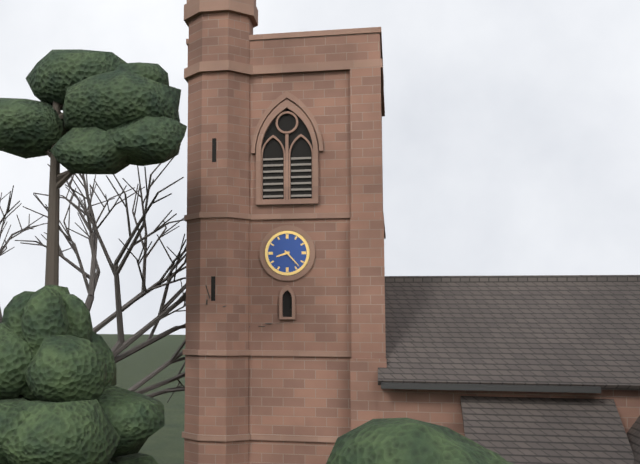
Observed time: 8:23
